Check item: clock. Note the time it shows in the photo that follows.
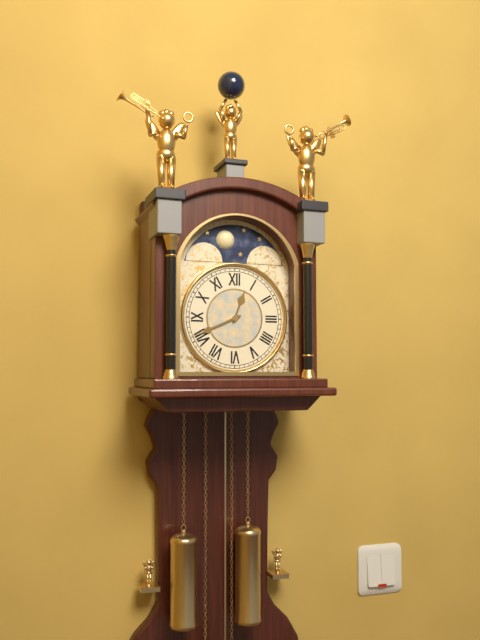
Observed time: 12:41
